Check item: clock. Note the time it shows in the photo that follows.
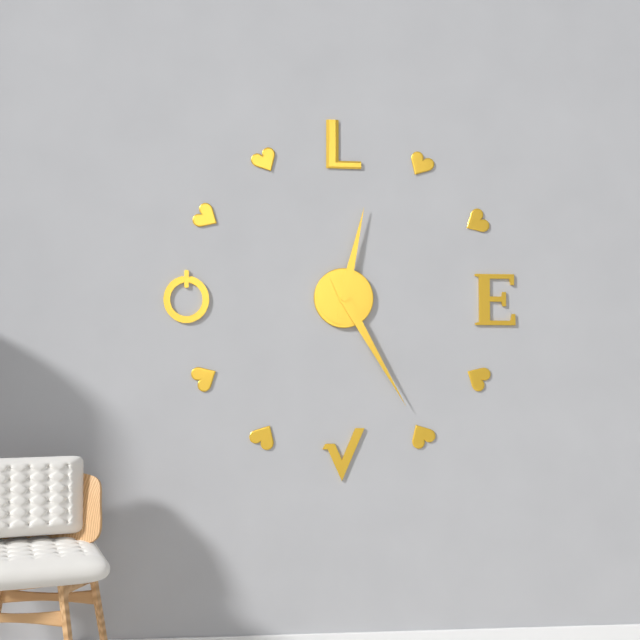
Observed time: 12:25
